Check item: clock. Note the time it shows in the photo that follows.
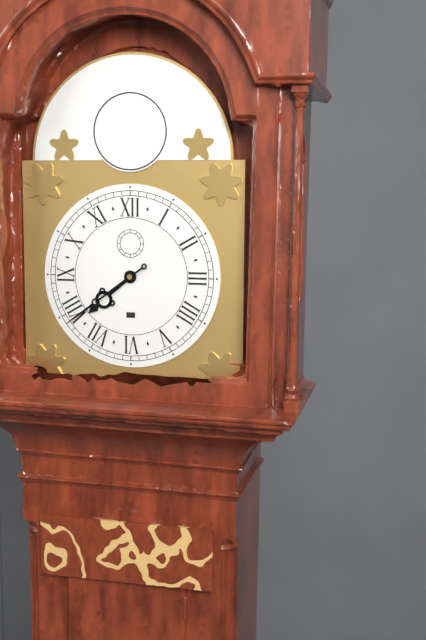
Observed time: 7:39
